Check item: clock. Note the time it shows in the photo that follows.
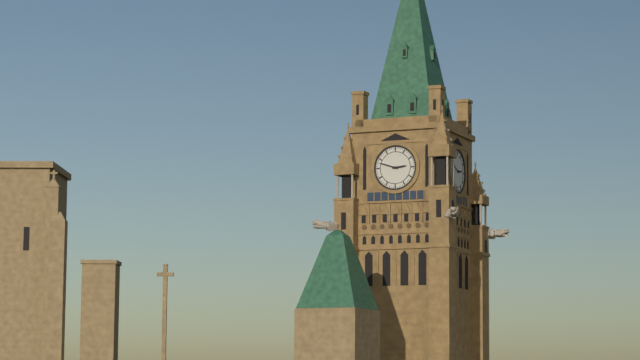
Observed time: 2:48
